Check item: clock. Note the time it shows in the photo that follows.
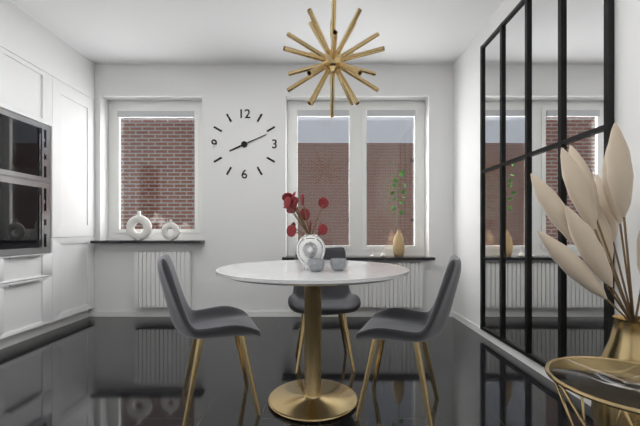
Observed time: 8:11
